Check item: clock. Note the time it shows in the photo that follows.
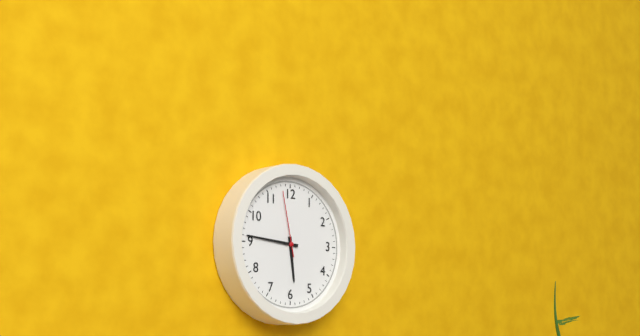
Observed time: 5:46:58
